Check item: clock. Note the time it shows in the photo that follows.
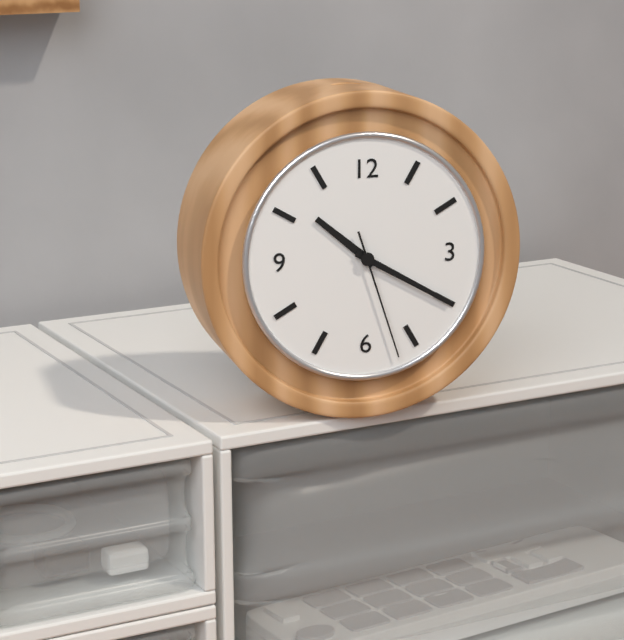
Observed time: 10:20:27
